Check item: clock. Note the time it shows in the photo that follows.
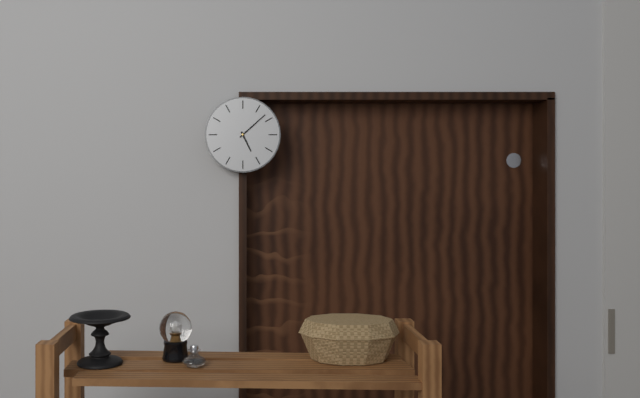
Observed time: 5:08
